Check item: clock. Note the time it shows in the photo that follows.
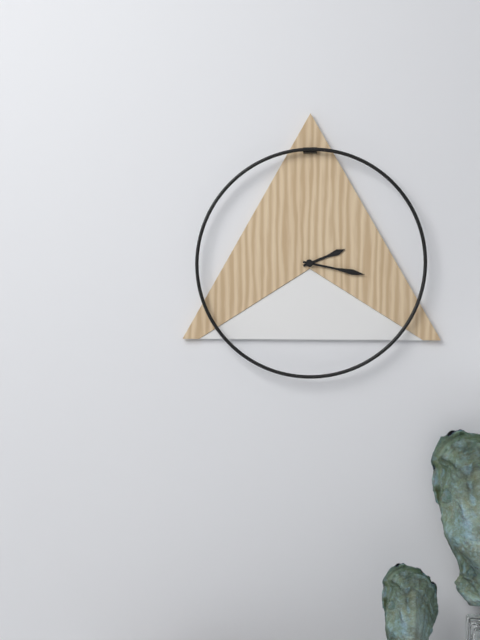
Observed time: 2:17
